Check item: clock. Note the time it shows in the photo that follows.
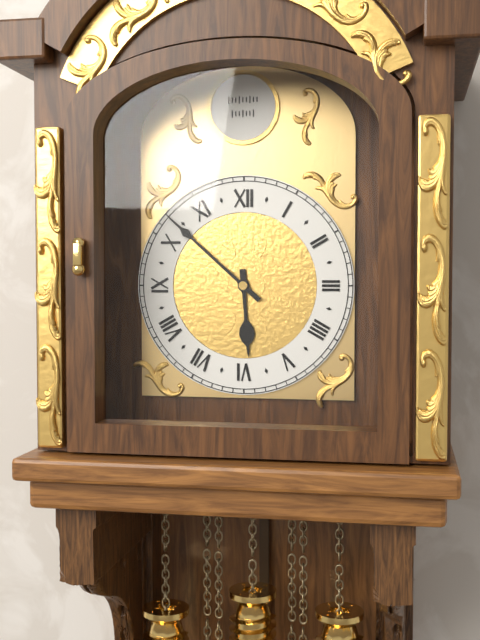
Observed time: 5:52
